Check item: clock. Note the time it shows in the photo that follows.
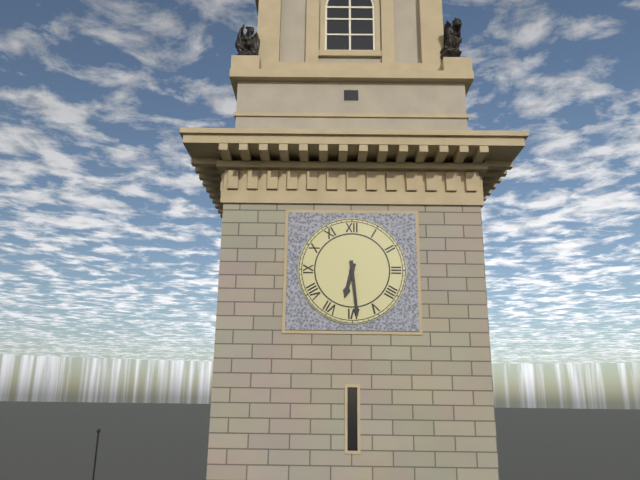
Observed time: 6:29
